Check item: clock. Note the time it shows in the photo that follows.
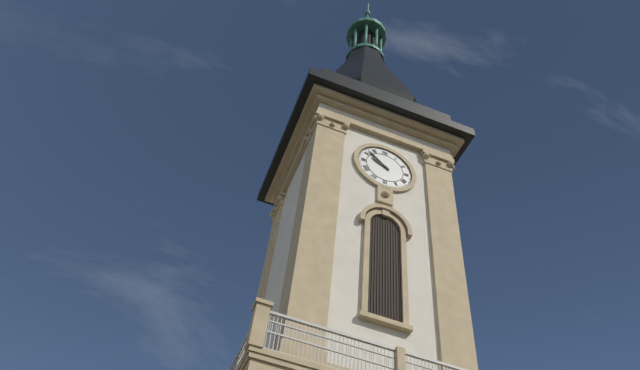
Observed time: 9:52
